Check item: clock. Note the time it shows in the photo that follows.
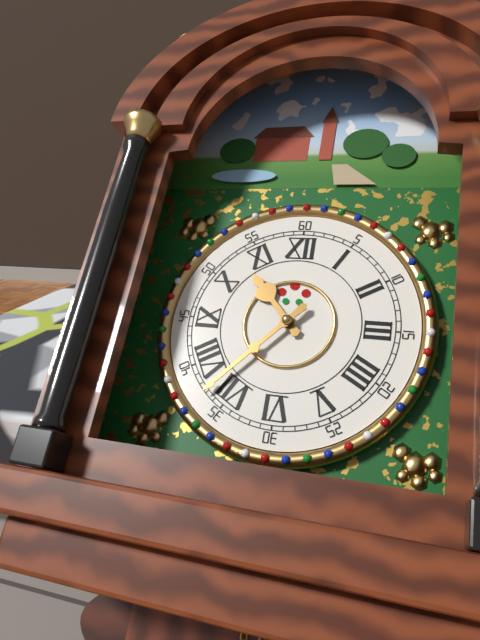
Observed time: 10:37
